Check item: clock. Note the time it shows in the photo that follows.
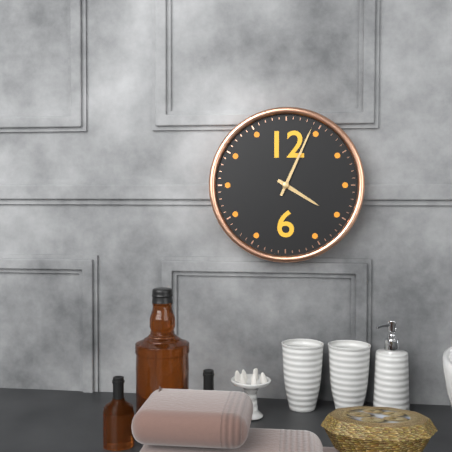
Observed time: 4:04
